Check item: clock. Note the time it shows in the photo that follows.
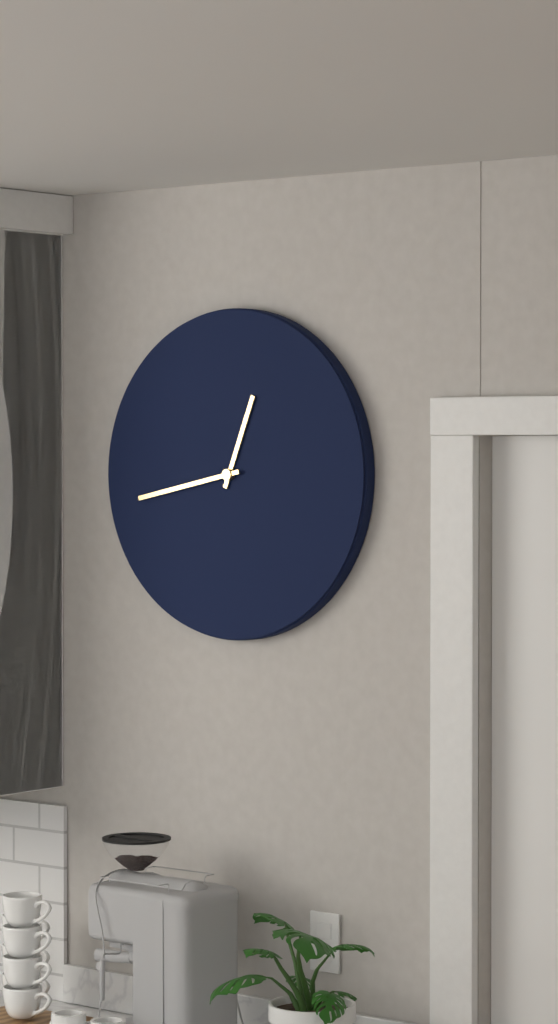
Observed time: 12:43
